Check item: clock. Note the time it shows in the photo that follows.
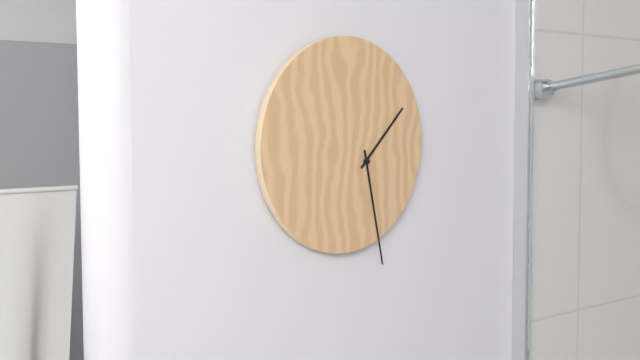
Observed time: 1:28
